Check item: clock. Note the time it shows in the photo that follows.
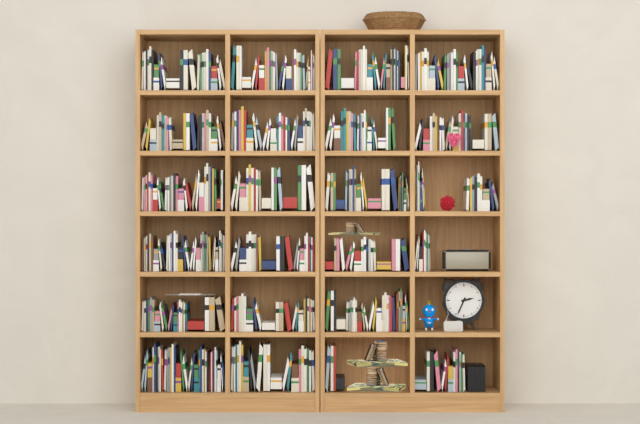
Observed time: 2:34
